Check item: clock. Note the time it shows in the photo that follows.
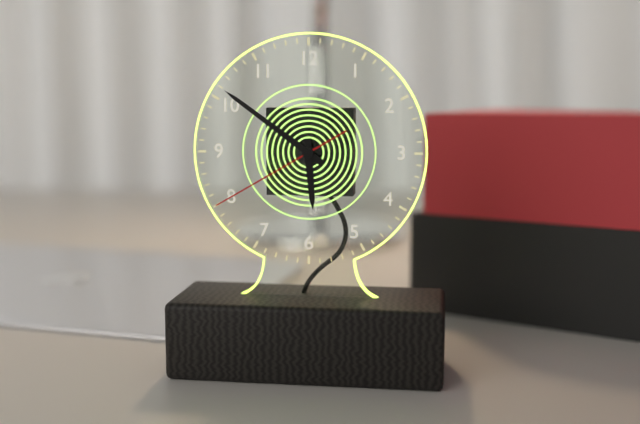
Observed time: 5:51:40
